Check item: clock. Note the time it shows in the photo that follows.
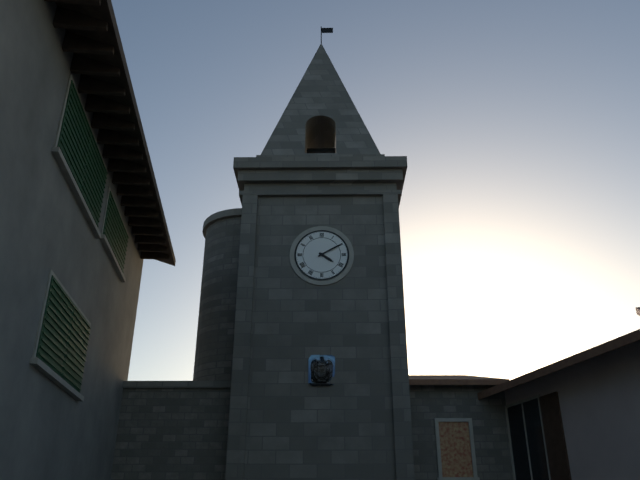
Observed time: 4:10
